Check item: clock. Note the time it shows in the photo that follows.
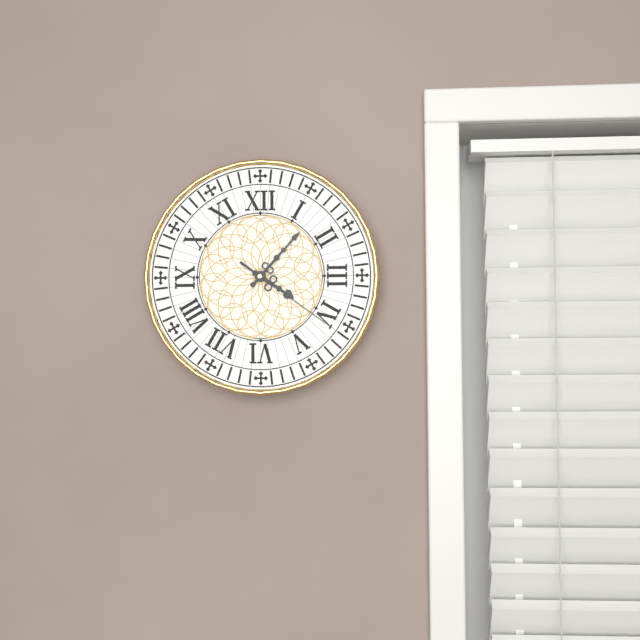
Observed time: 4:07:21
